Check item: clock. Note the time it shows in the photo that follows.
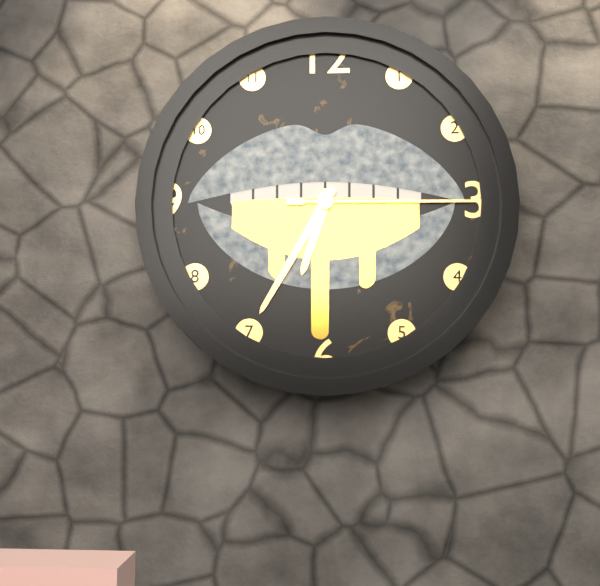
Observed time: 6:35:15
